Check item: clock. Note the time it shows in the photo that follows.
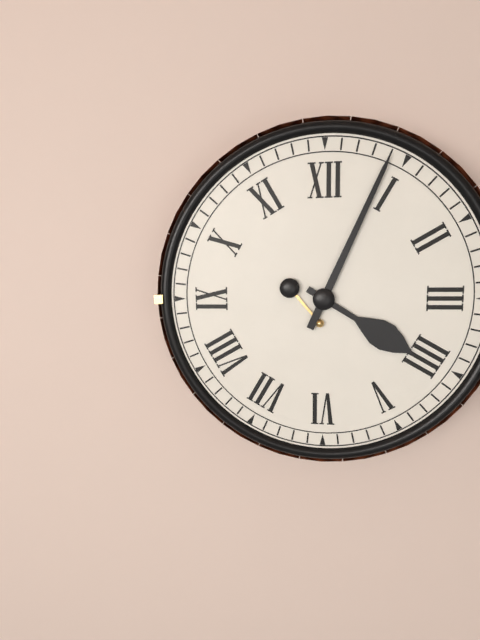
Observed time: 4:04
